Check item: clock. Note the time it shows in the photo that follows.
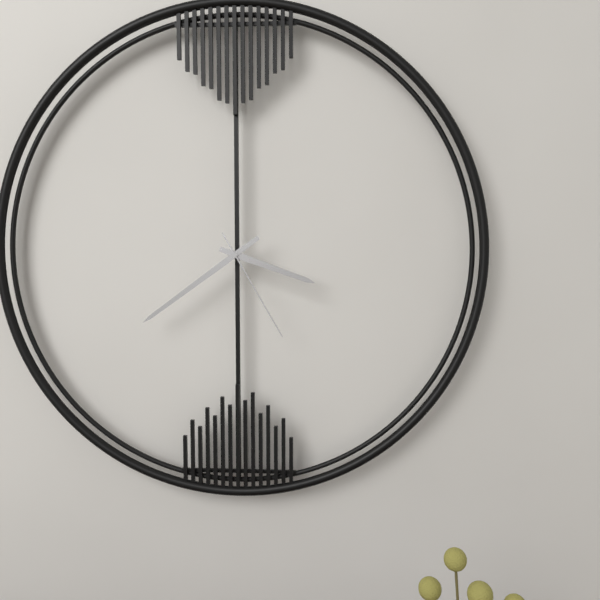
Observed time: 3:39:25
